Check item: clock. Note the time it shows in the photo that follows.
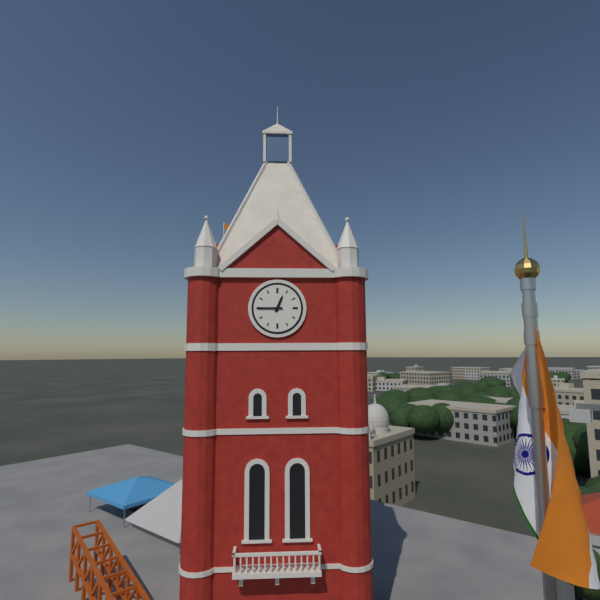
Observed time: 12:45
